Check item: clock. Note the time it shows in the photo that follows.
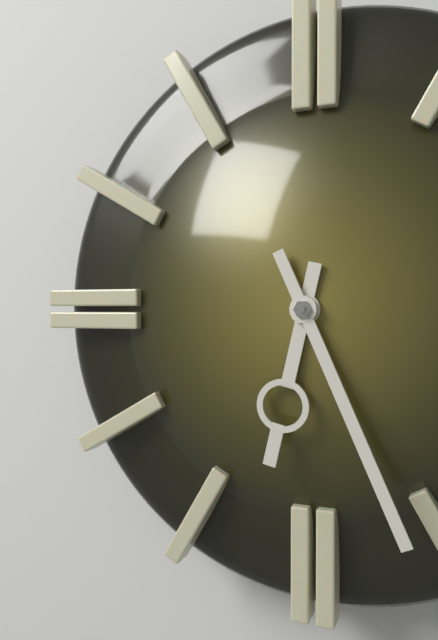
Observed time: 6:26
